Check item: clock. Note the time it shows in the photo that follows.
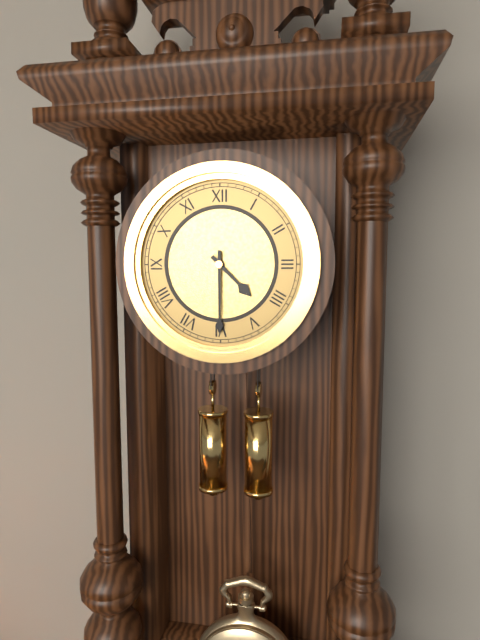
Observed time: 4:30
